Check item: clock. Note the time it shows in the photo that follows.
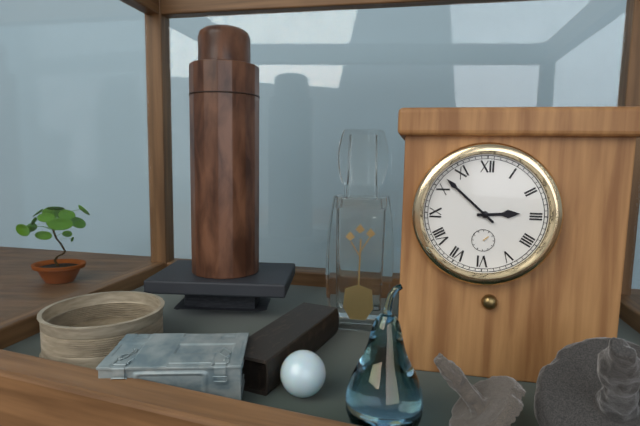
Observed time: 2:52
